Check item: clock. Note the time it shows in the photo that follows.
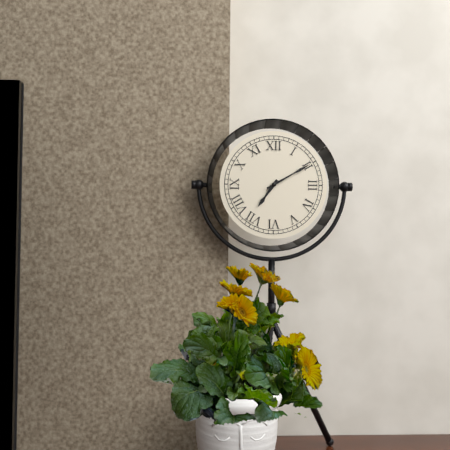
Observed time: 7:10
